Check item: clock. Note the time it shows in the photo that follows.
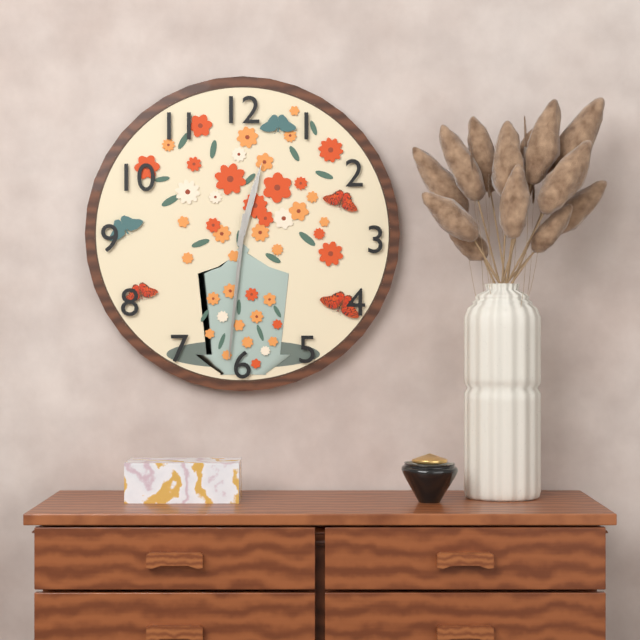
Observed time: 12:31
